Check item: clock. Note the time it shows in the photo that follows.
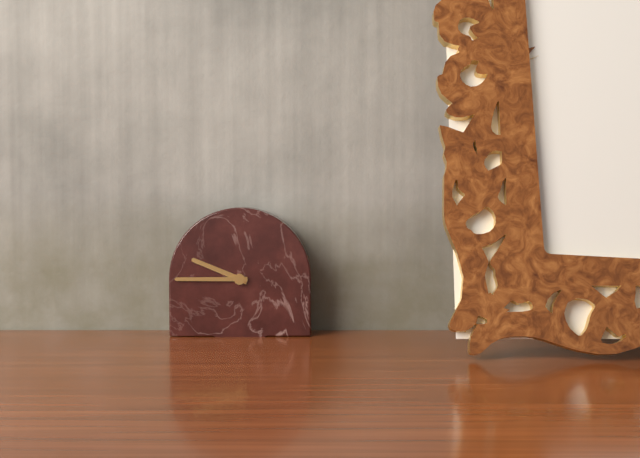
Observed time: 9:45
